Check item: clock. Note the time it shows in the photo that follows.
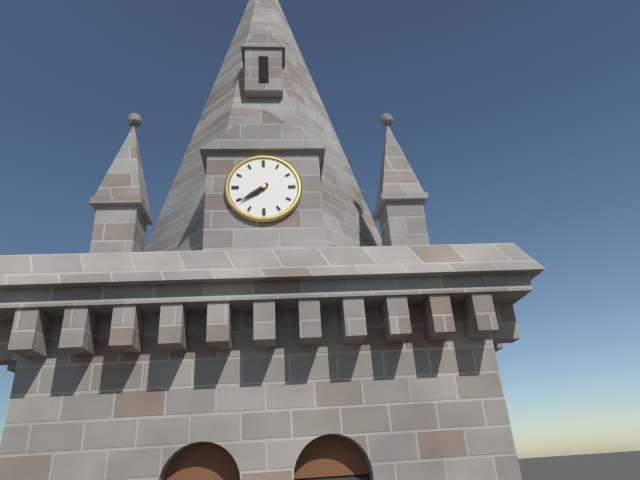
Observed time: 7:39
